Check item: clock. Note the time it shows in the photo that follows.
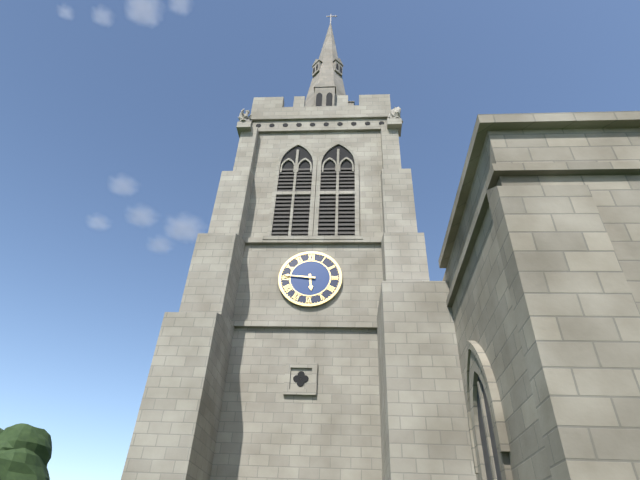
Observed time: 5:46
